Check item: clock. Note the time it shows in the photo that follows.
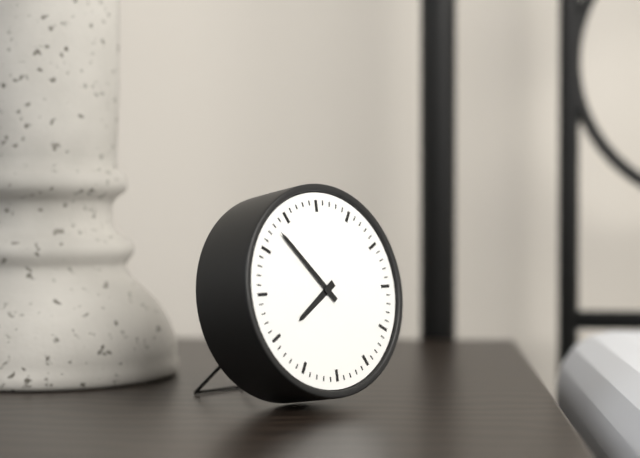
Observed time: 7:53
